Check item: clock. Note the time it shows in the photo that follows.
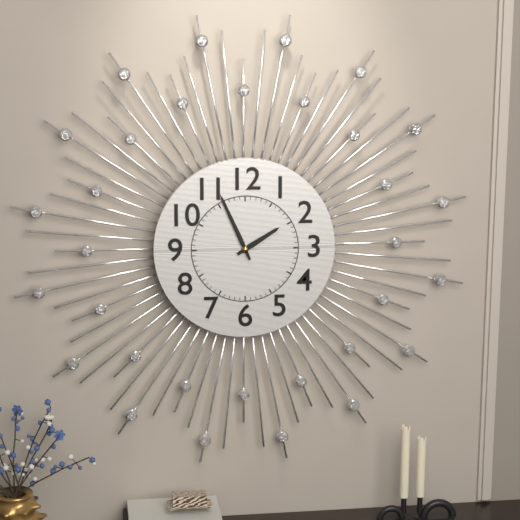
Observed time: 1:56
